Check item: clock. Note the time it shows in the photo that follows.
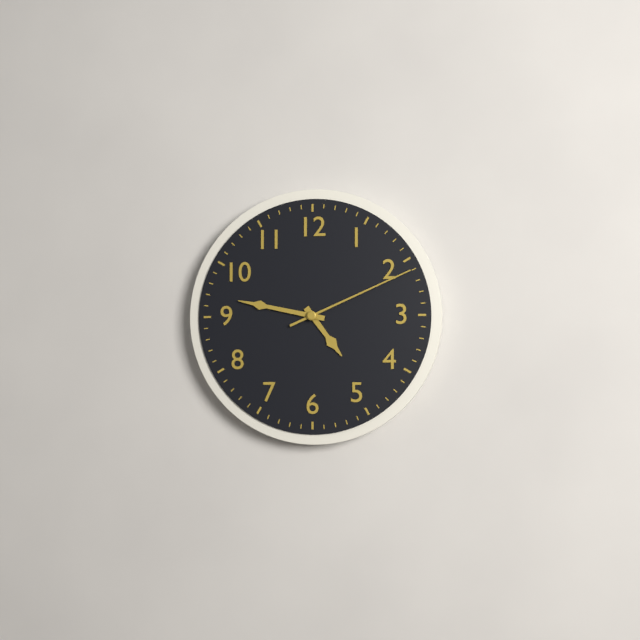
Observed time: 4:47:11
